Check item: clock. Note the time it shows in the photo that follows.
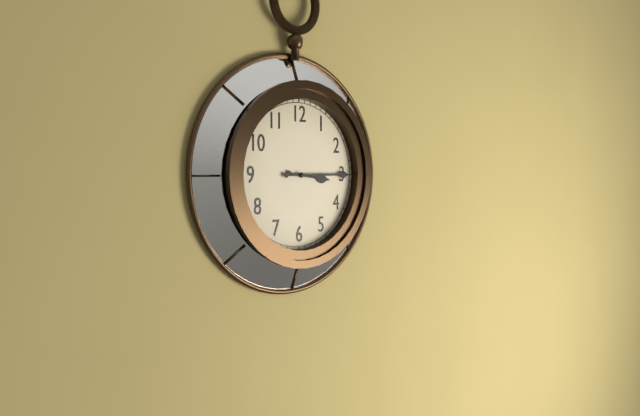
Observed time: 3:15
